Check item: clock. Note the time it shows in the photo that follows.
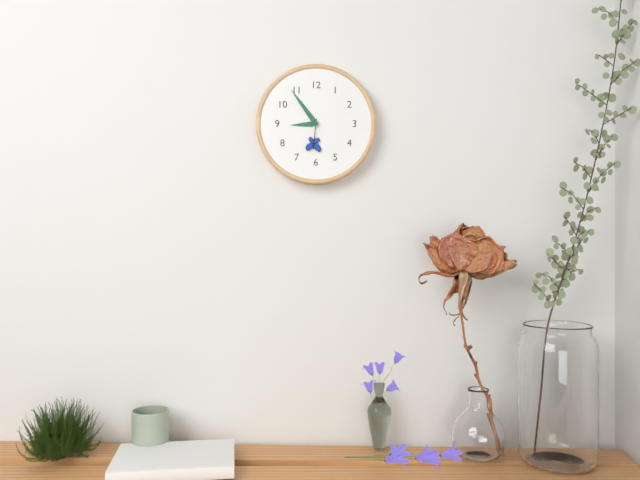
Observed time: 8:54
